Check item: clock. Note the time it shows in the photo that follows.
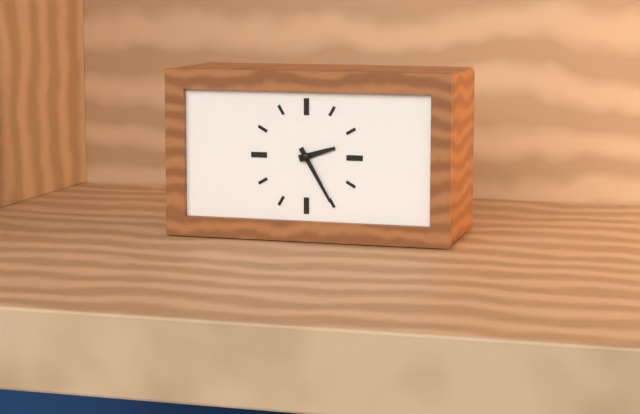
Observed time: 2:25
